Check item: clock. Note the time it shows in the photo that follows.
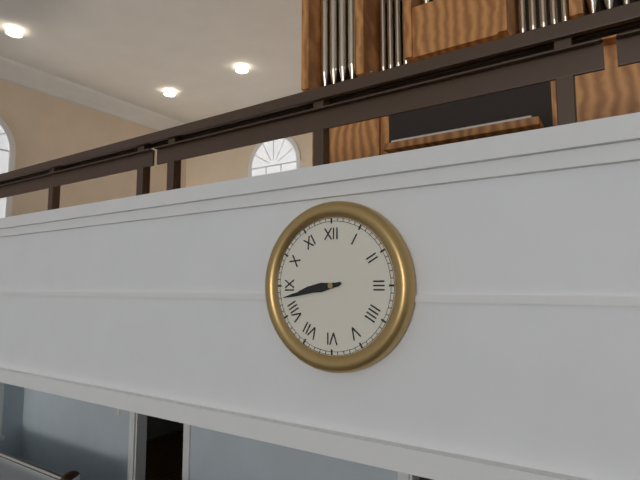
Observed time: 8:43
